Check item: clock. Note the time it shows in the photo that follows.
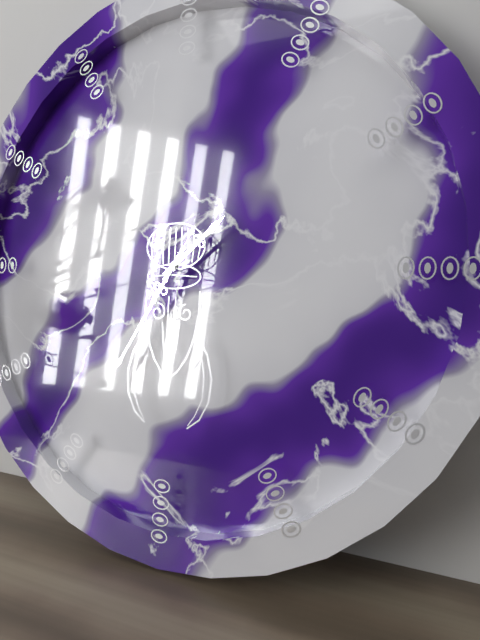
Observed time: 1:35:35
